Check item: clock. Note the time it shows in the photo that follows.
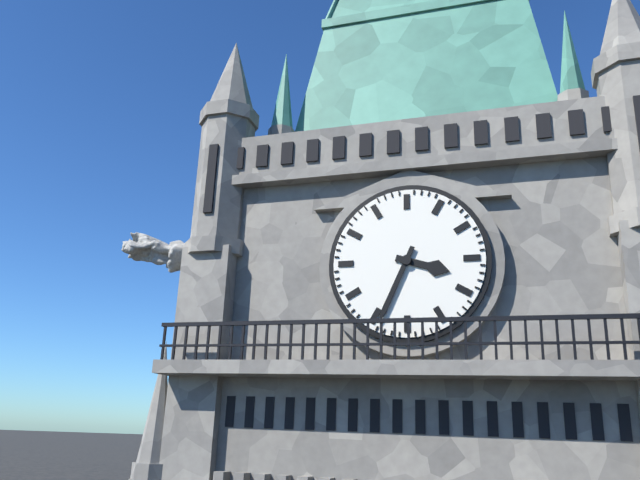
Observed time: 3:34
